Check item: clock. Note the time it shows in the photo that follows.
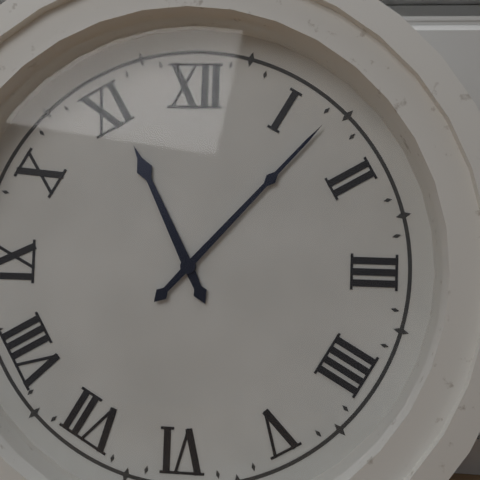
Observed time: 11:07
